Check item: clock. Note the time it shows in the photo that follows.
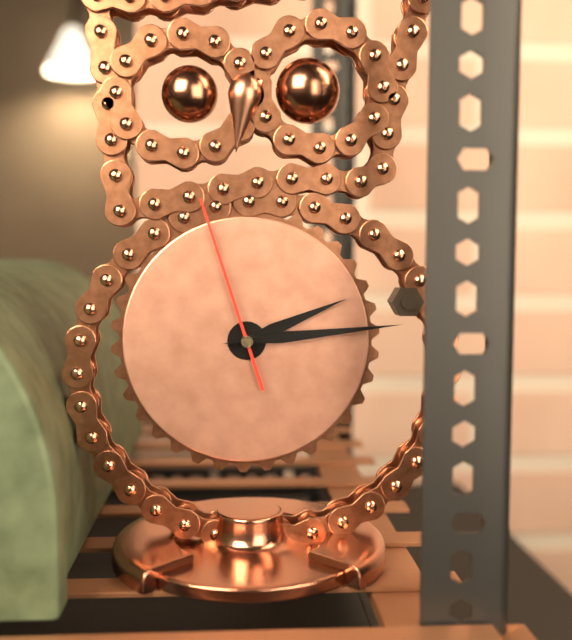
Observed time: 2:14:57
